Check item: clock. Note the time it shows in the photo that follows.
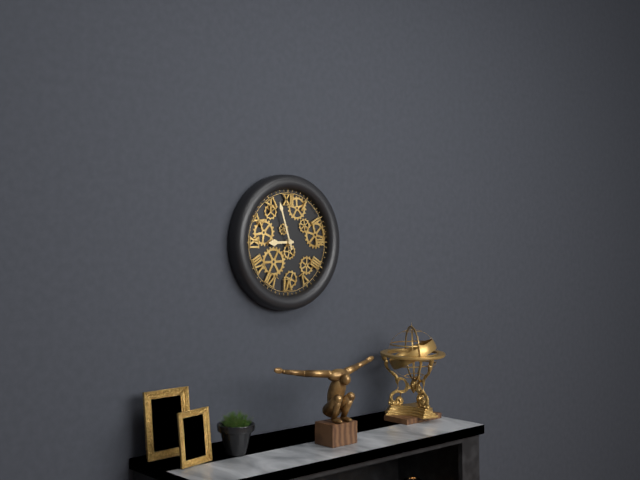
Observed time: 8:57
